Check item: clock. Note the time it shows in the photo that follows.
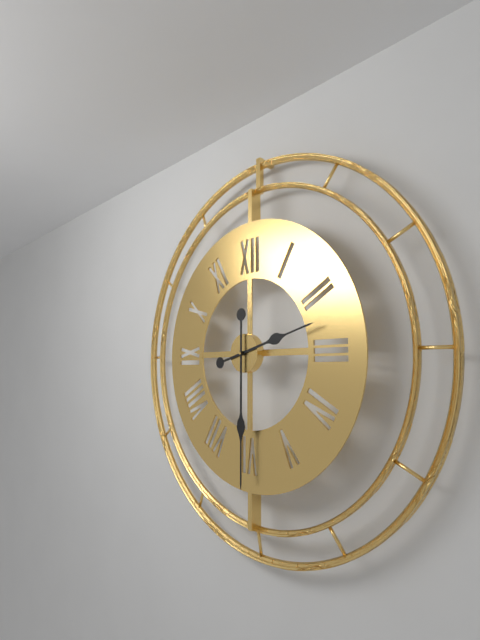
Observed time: 2:30
